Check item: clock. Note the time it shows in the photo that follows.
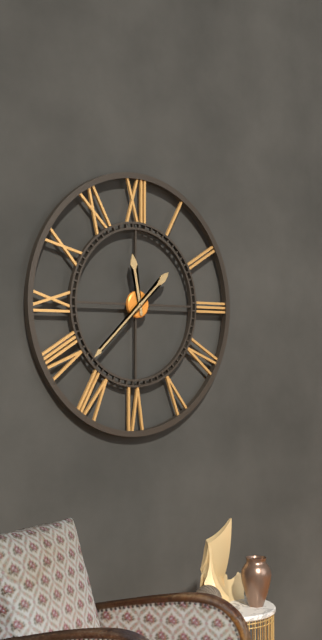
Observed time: 11:38
